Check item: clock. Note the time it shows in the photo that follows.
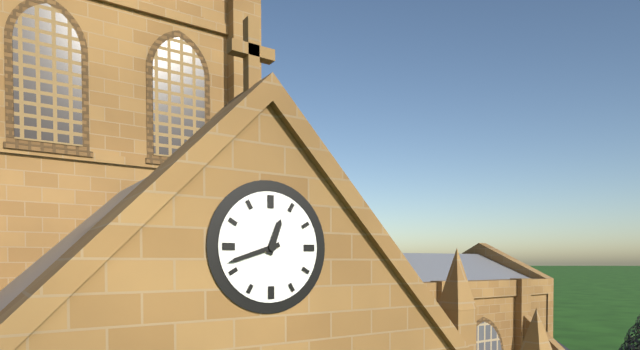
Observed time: 12:42
